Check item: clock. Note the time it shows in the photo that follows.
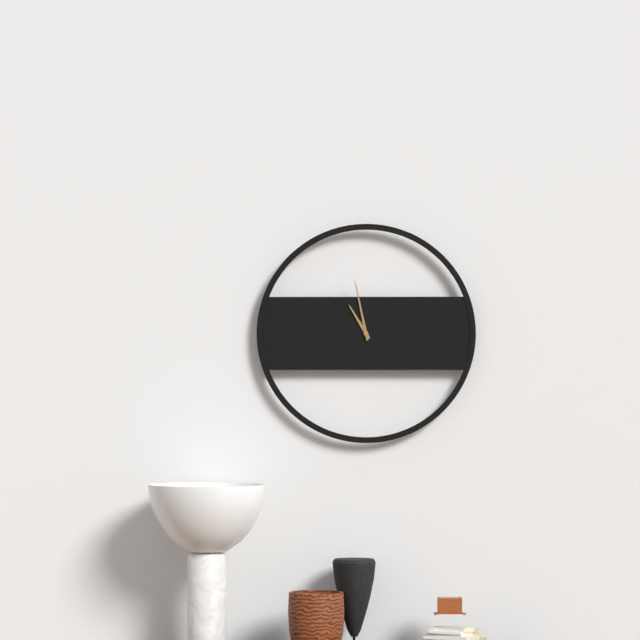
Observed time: 10:58
